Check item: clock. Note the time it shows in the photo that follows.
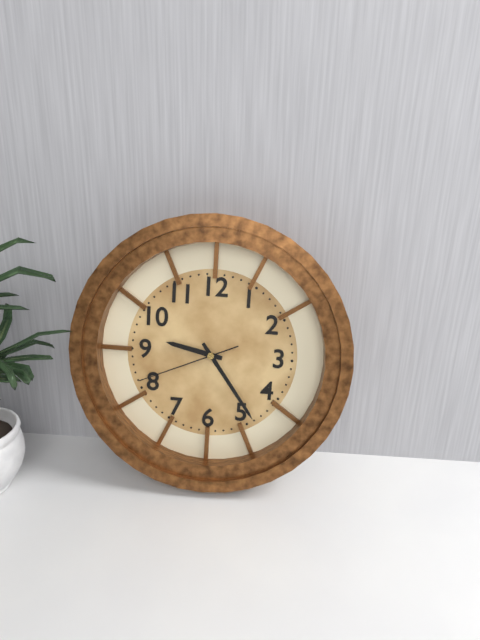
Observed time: 9:24:41
